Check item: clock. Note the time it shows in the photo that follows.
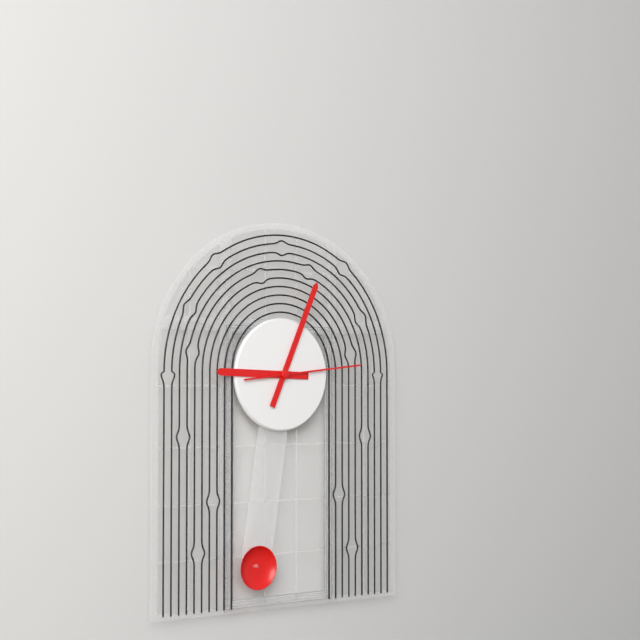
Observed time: 9:04:14
